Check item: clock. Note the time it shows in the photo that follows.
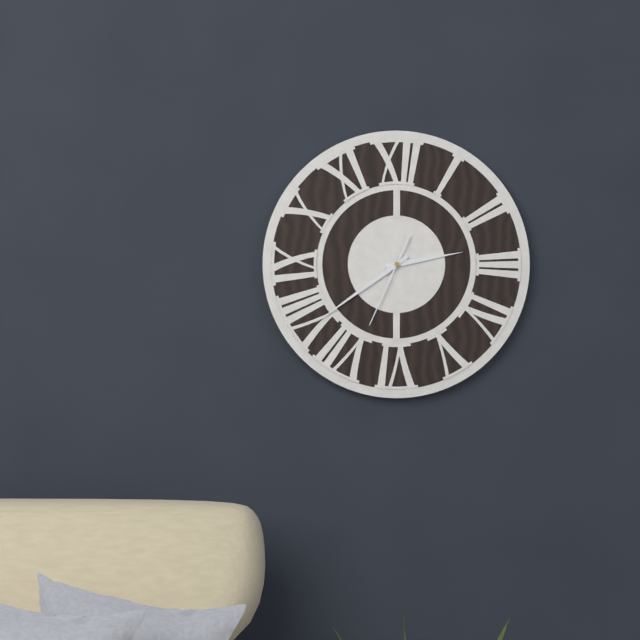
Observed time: 2:39:34
